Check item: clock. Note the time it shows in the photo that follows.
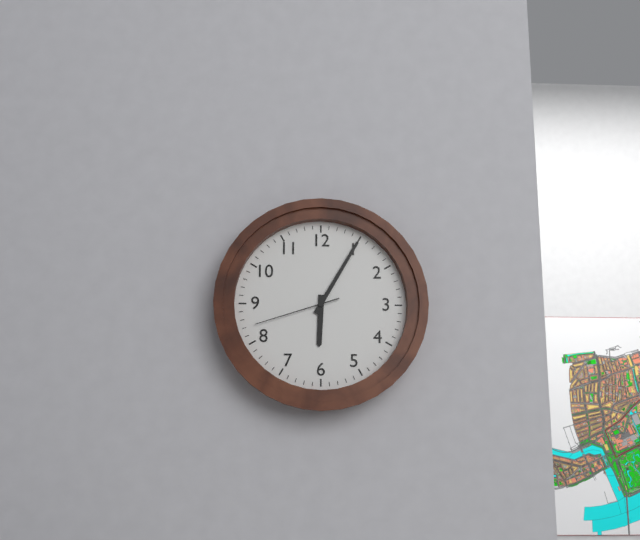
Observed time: 6:05:42
